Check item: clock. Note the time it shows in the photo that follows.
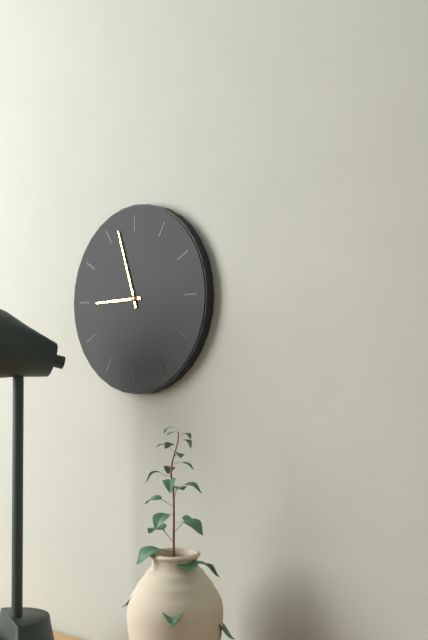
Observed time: 8:57
